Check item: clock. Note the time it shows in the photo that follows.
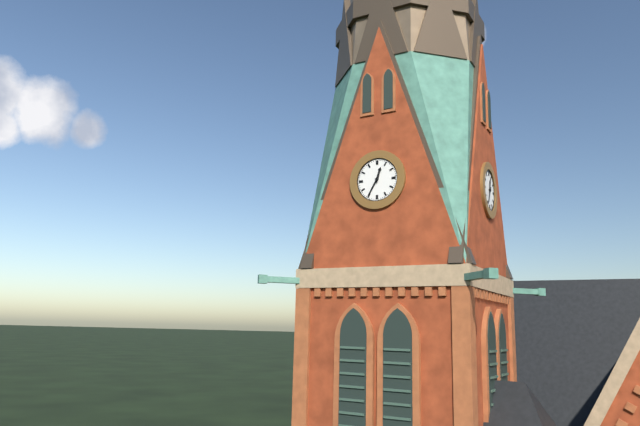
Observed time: 12:35
